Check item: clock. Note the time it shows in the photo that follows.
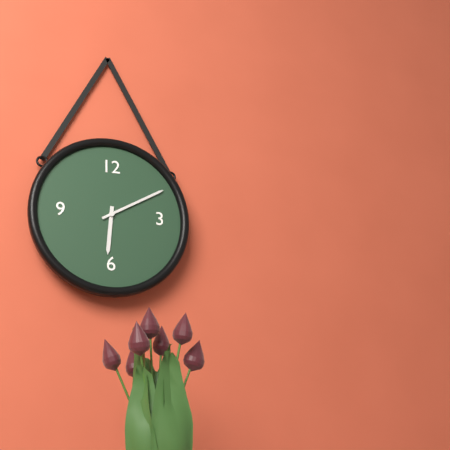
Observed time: 6:10
